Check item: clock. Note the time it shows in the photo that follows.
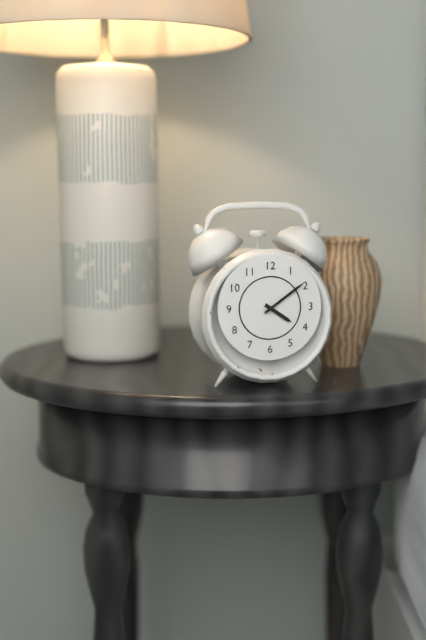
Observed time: 4:09
